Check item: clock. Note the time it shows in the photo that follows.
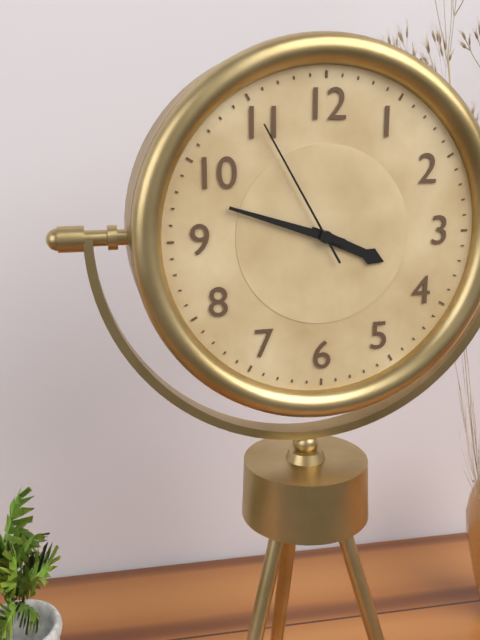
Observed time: 3:48:55
